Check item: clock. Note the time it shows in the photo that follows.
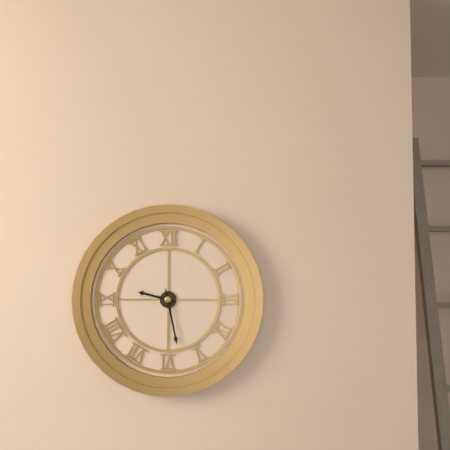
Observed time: 9:28
